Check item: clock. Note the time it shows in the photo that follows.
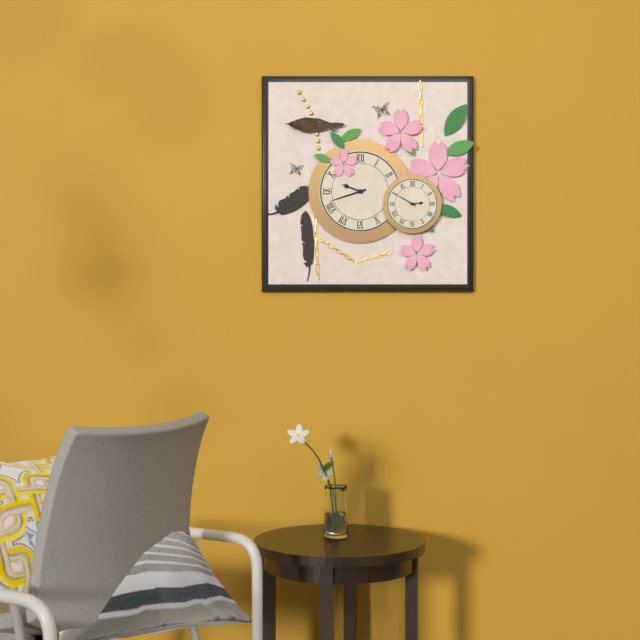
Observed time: 9:42
